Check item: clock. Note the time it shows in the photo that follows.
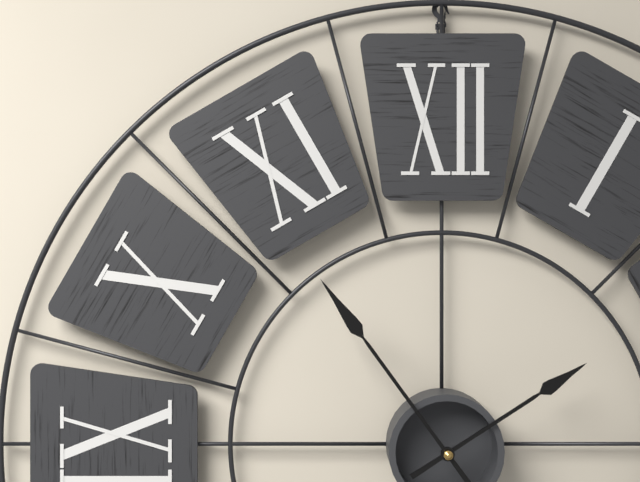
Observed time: 1:54
